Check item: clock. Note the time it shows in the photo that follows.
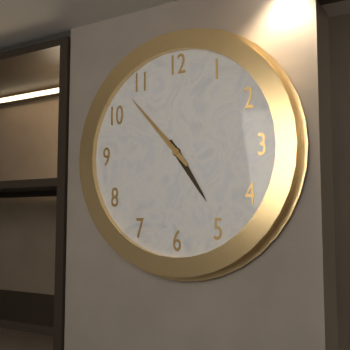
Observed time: 4:53
